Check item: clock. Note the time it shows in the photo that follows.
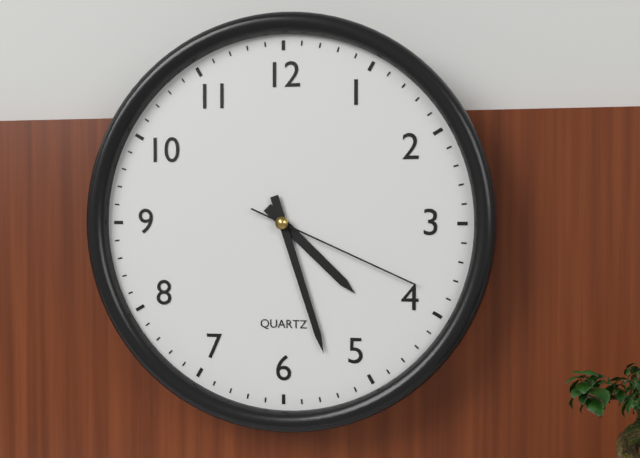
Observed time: 4:27:19
